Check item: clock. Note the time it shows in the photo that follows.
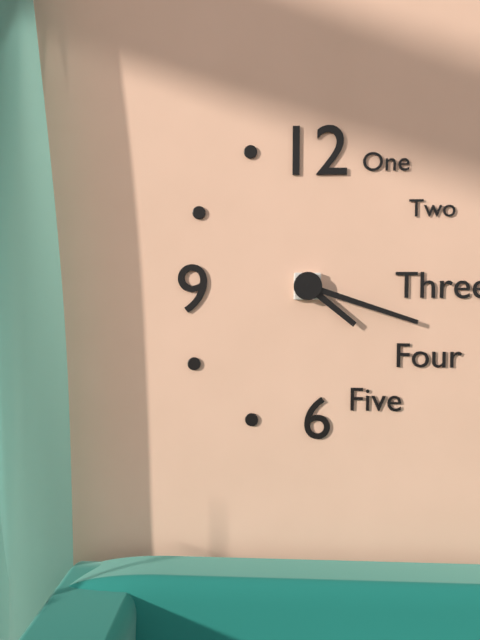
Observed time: 4:18
